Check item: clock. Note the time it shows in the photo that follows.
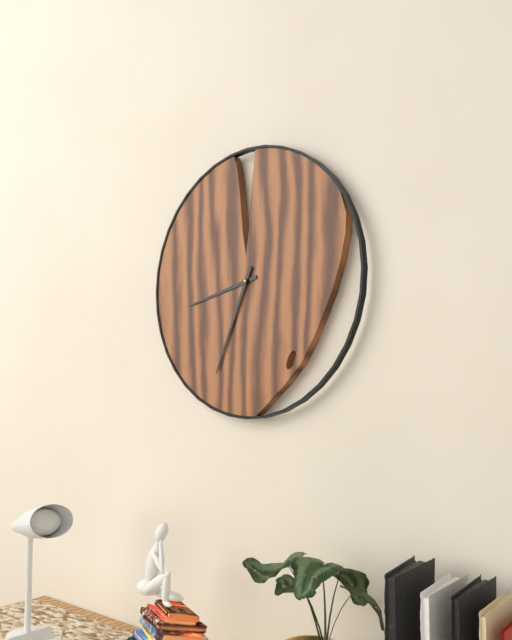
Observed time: 8:34
